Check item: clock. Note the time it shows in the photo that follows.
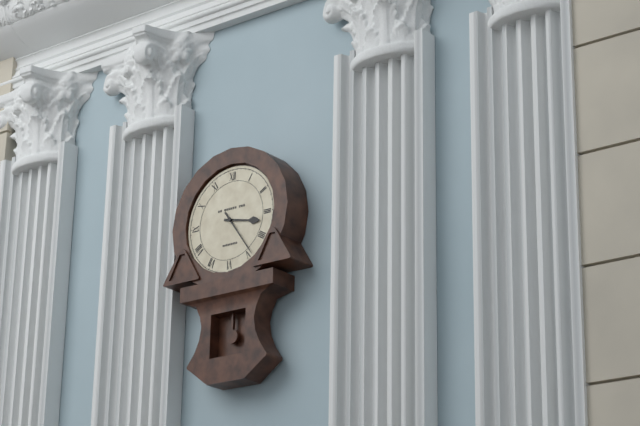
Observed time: 3:24
